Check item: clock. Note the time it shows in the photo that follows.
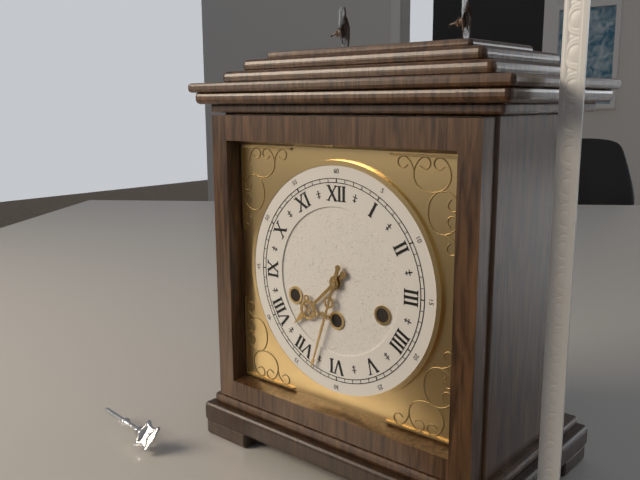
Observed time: 7:33
